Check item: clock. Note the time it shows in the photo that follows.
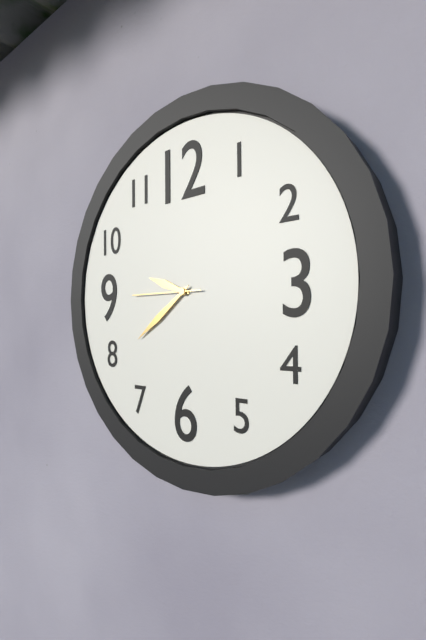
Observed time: 9:39:45
